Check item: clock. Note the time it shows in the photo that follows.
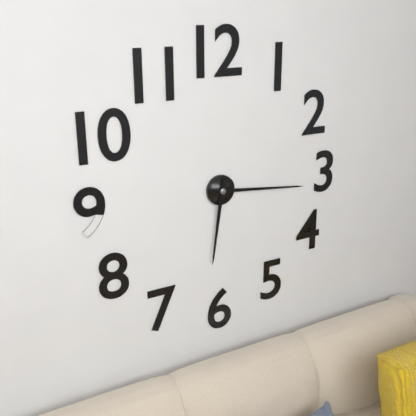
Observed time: 6:16
